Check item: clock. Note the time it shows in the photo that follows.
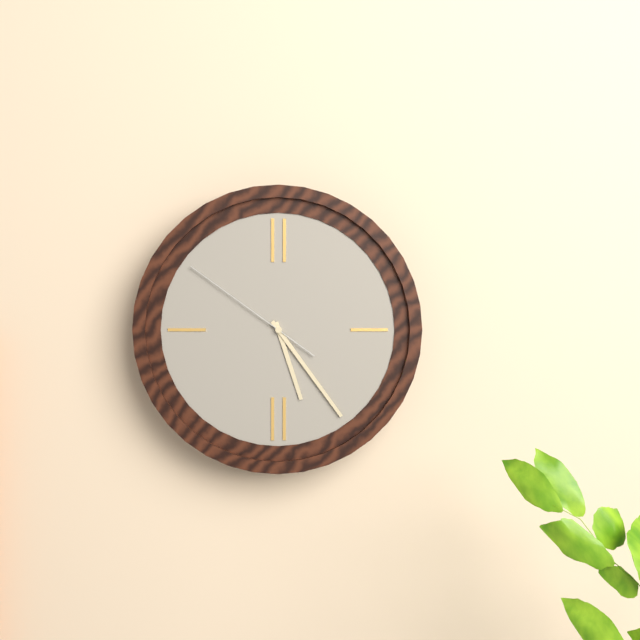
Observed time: 5:24:51
